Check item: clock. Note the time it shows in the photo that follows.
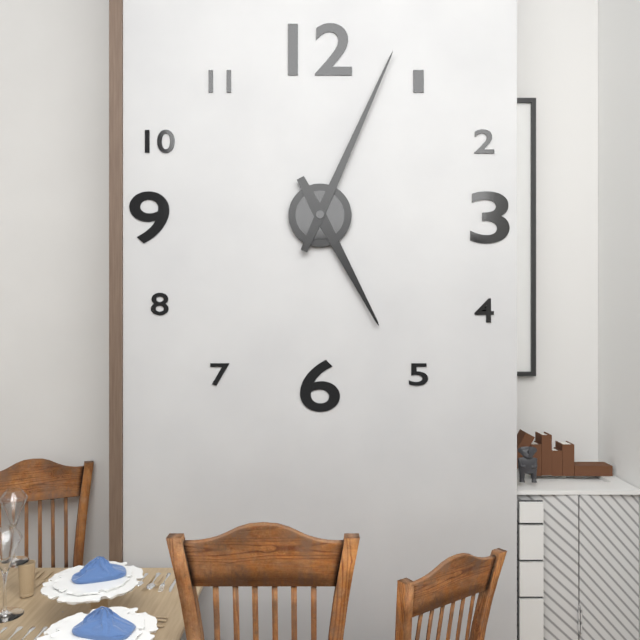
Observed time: 5:04
